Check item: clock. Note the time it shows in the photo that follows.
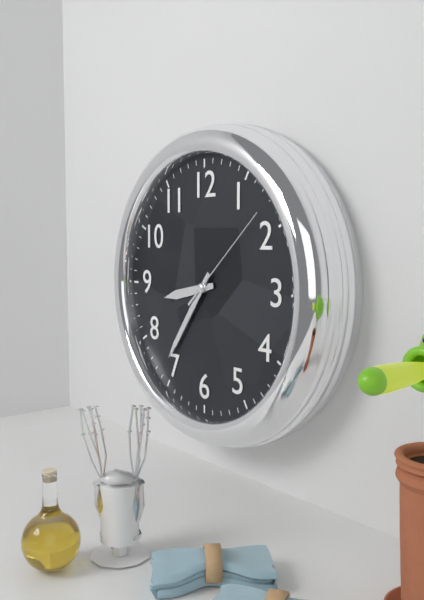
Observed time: 8:36:08
